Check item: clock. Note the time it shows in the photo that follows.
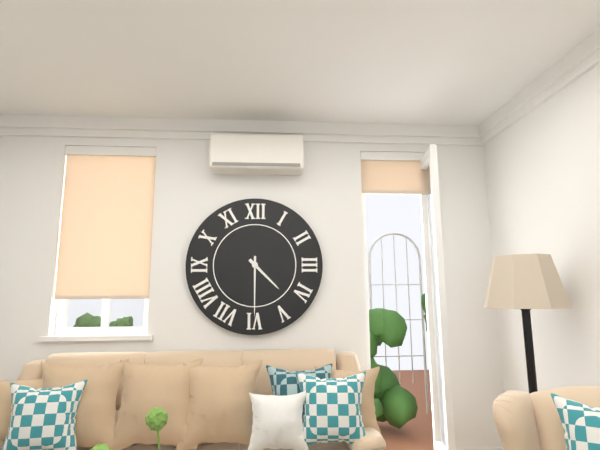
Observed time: 4:30
